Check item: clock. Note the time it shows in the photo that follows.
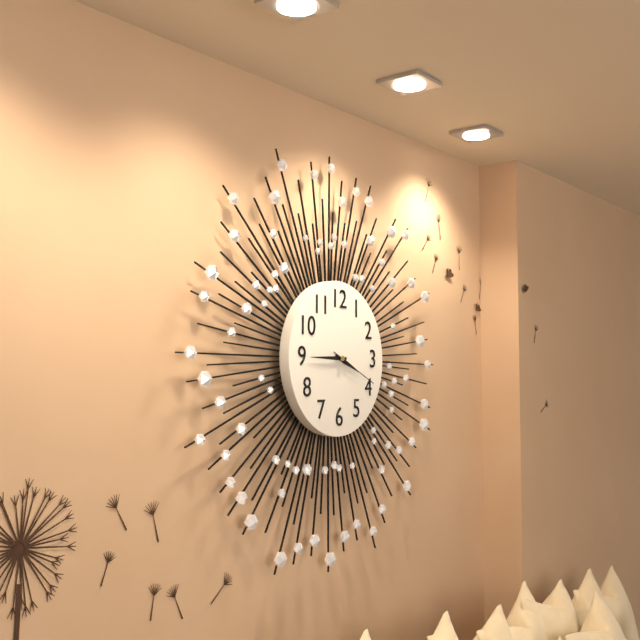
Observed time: 3:45:19
